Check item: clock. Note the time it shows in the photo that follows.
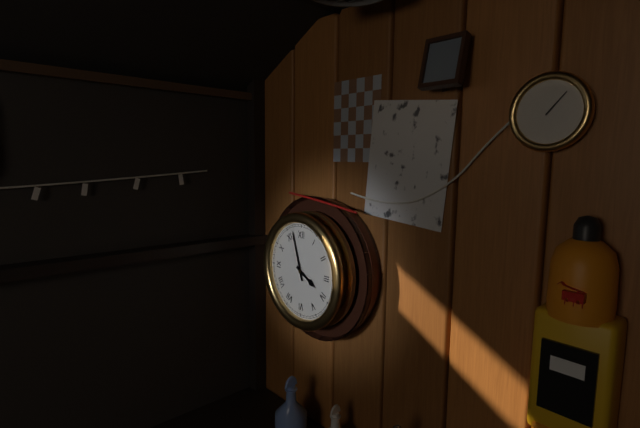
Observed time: 3:57
